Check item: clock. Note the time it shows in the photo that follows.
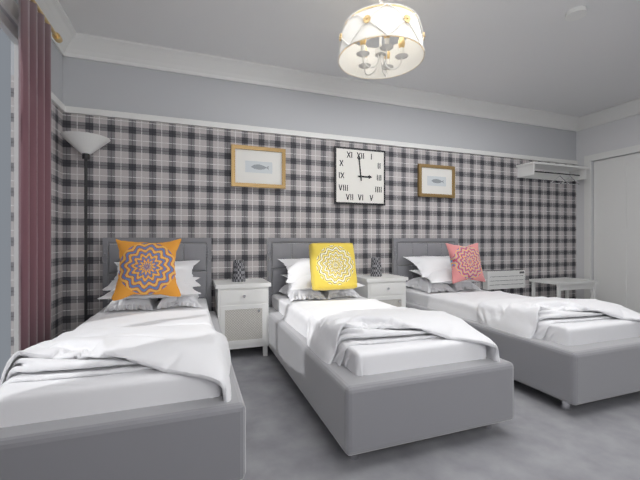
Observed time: 2:59
